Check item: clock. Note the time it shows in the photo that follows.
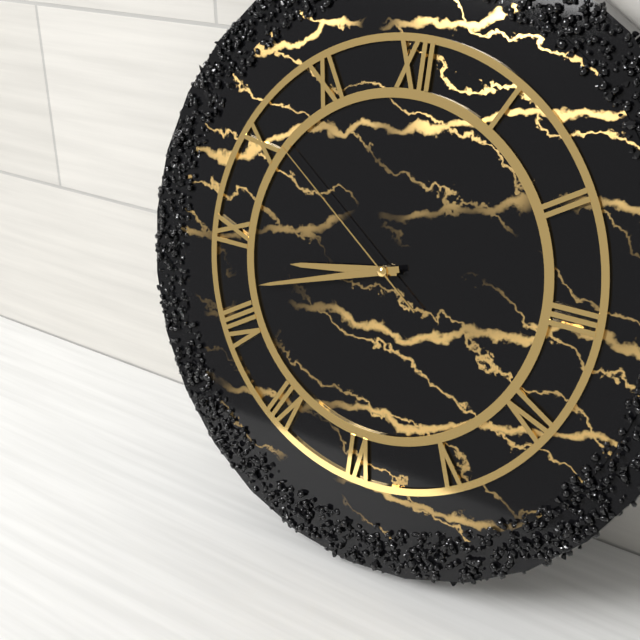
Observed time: 8:42:51
